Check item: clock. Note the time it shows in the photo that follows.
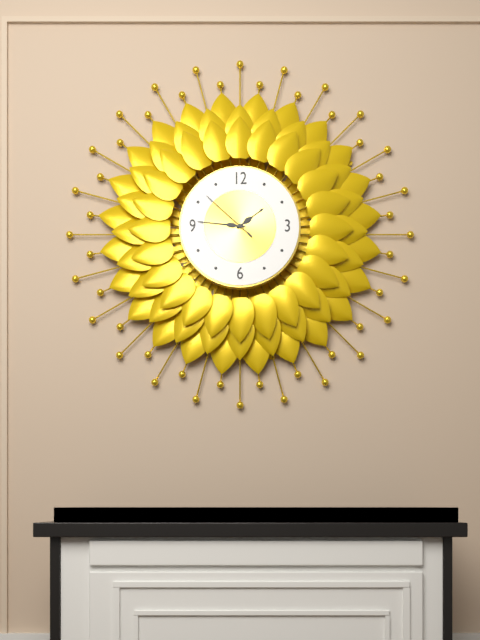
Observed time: 1:46:52
